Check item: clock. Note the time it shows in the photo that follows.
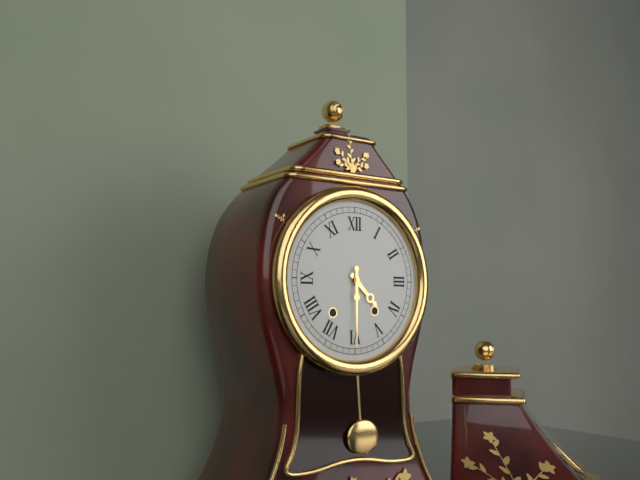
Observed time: 4:30
